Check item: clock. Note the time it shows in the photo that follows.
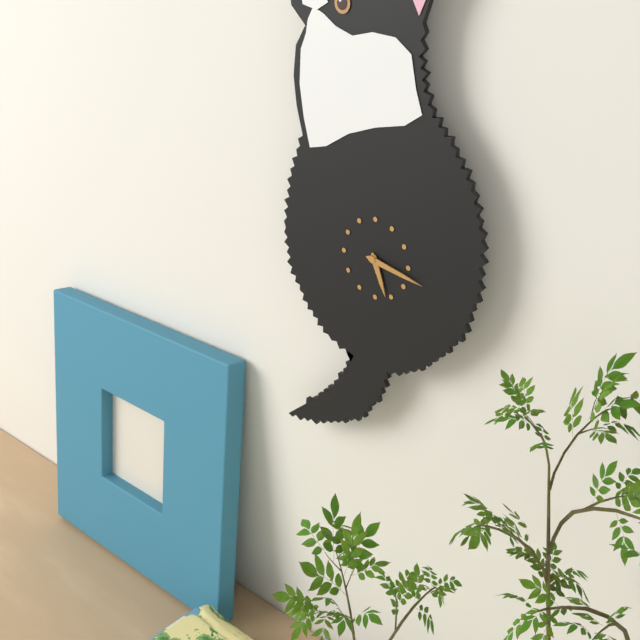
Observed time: 5:17
